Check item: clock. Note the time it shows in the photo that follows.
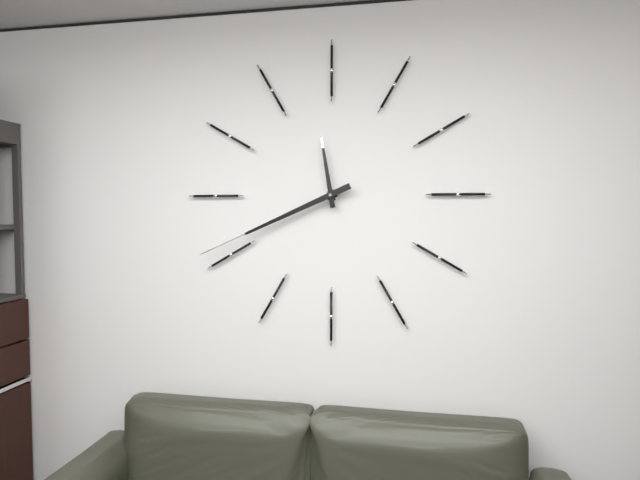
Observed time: 11:41
